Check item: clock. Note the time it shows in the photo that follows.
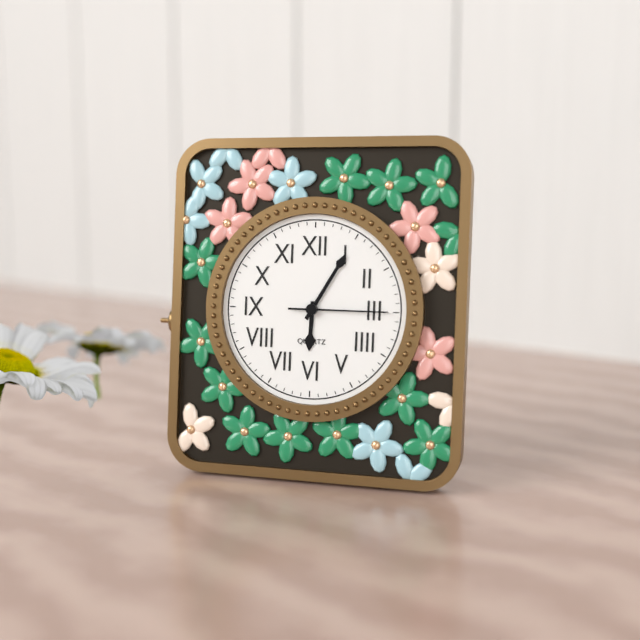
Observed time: 6:05:15
